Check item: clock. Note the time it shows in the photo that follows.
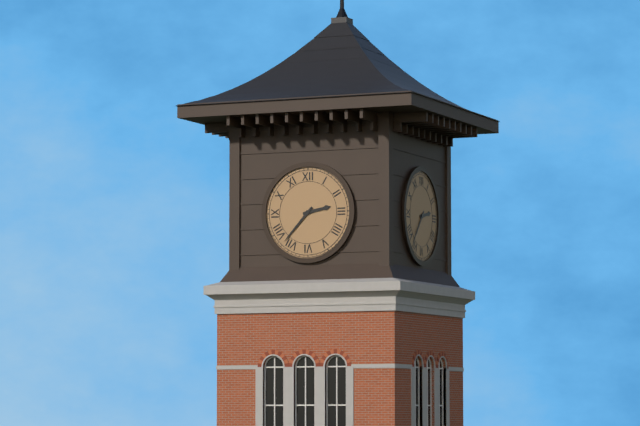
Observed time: 2:37
